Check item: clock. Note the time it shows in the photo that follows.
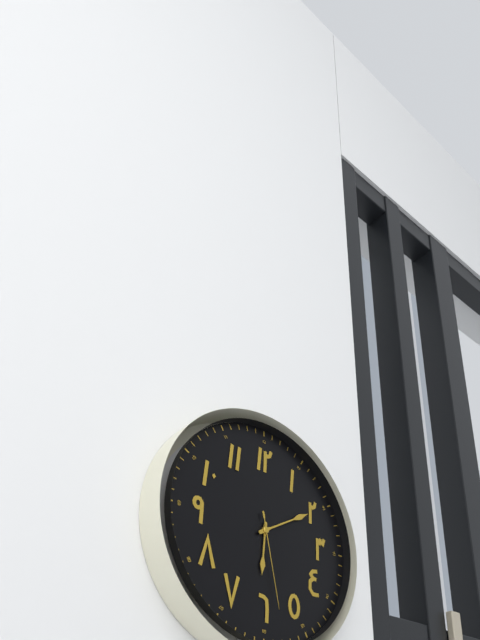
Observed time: 6:10:28
